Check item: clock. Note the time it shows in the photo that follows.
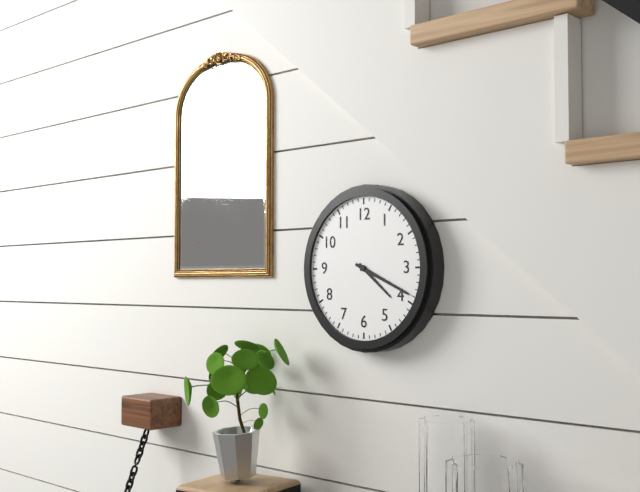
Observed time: 4:19
